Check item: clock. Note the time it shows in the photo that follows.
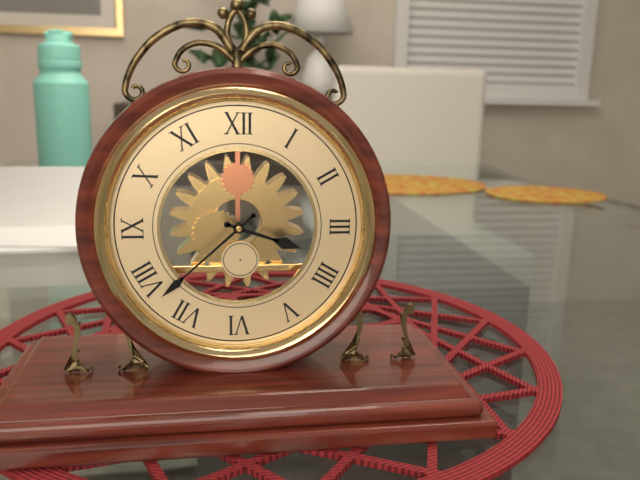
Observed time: 3:38
